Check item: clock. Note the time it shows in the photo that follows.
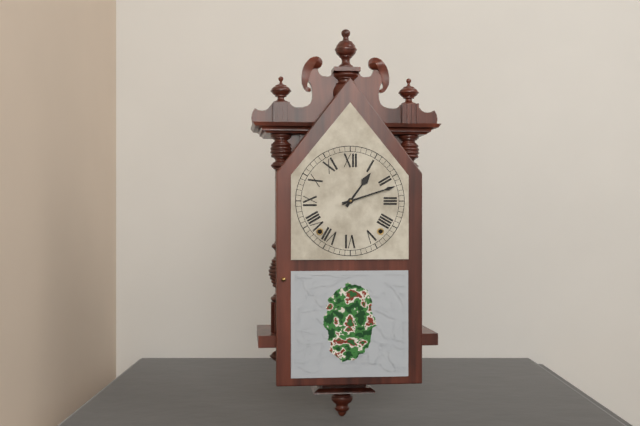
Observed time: 1:12
